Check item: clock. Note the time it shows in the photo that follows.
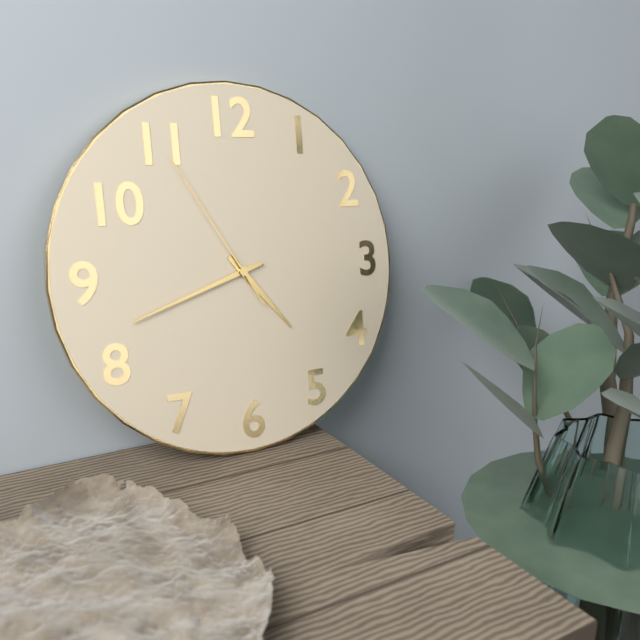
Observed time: 4:42:55
